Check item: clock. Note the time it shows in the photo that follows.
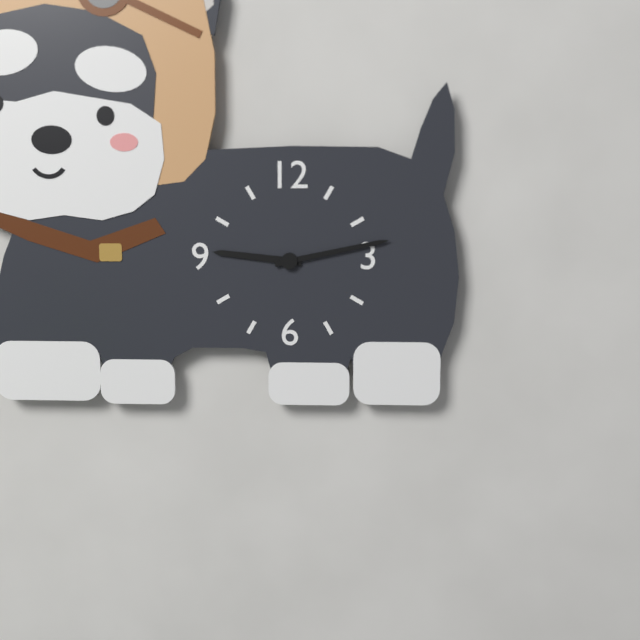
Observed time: 9:13
